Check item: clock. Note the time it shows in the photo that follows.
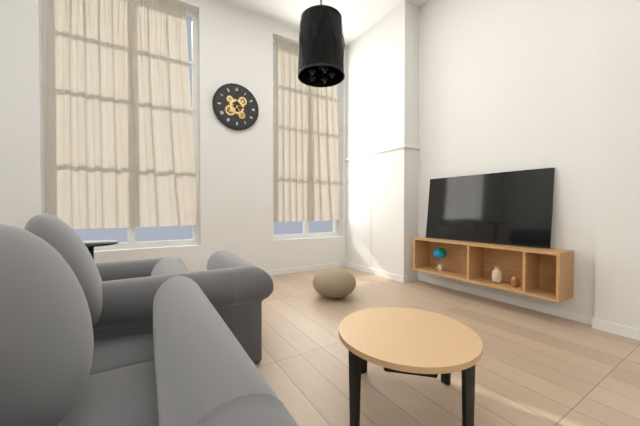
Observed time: 3:00
